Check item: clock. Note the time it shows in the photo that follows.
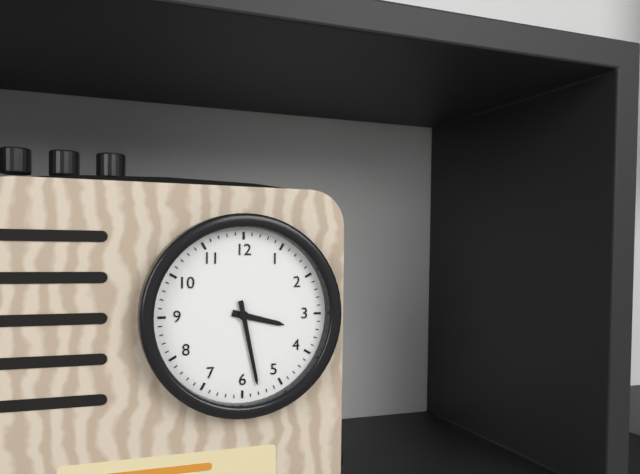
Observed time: 3:28
